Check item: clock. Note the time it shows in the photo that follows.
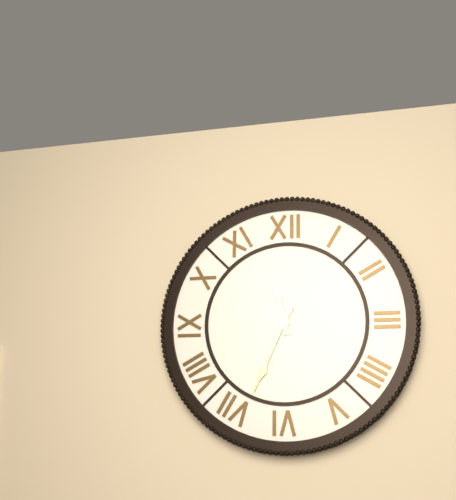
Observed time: 11:34
